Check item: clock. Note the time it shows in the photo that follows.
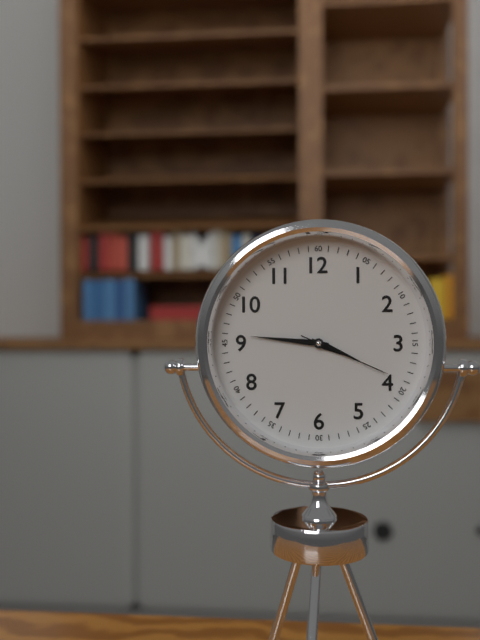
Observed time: 3:46:19
